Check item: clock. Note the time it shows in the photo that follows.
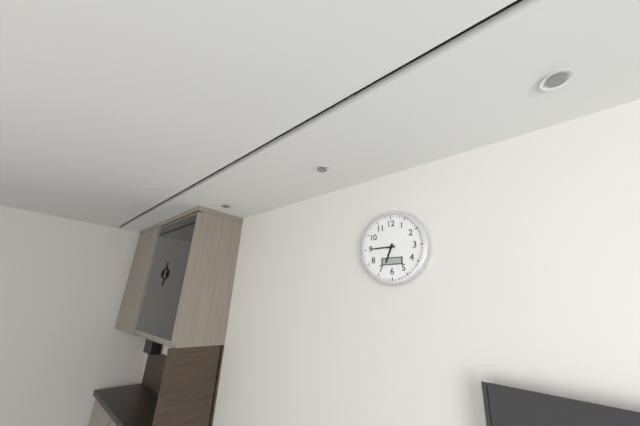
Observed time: 6:45
